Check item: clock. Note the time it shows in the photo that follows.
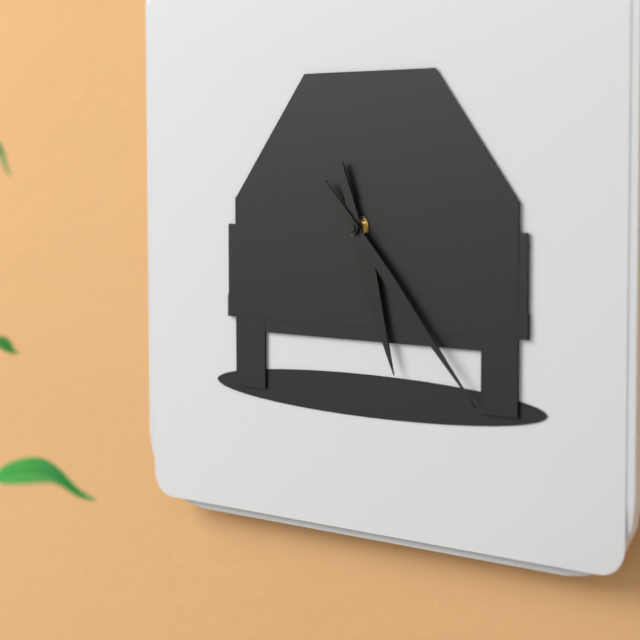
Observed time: 5:23
